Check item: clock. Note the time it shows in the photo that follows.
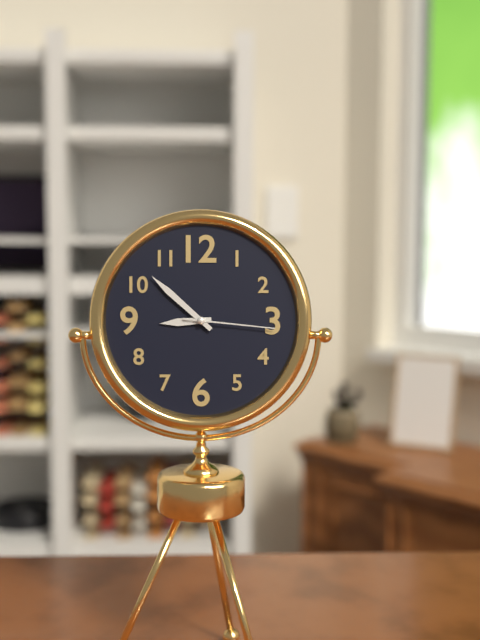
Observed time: 8:52:16
